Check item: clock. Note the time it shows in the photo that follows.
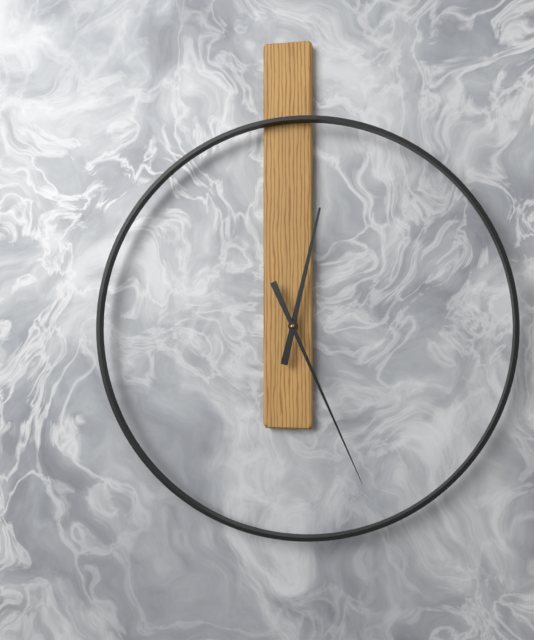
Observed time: 12:26
